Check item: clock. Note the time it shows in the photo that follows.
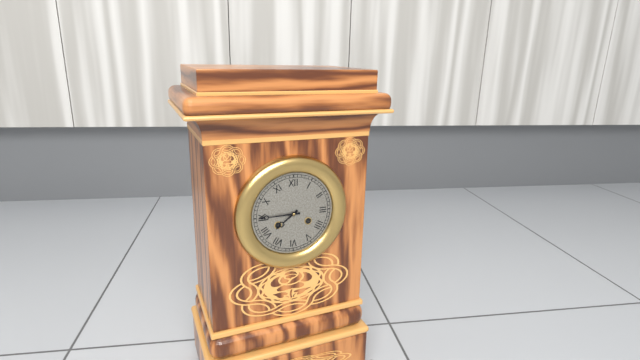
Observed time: 7:45
